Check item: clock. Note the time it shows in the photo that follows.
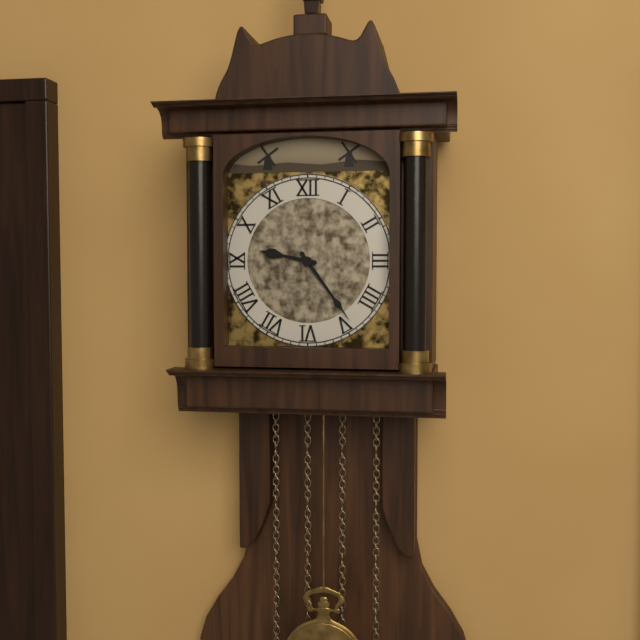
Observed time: 9:24
